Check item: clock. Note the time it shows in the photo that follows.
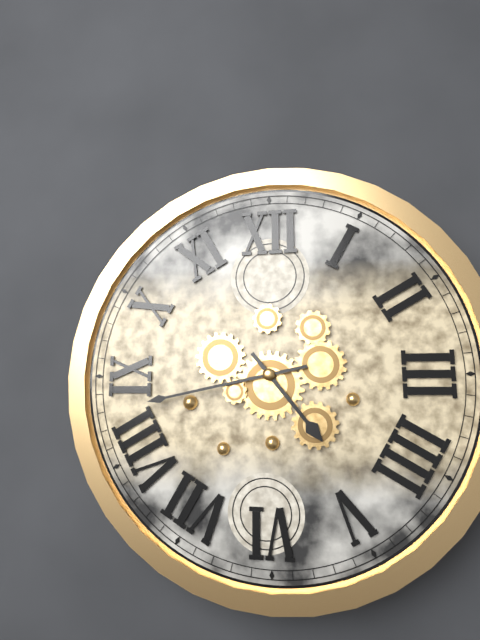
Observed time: 4:43
